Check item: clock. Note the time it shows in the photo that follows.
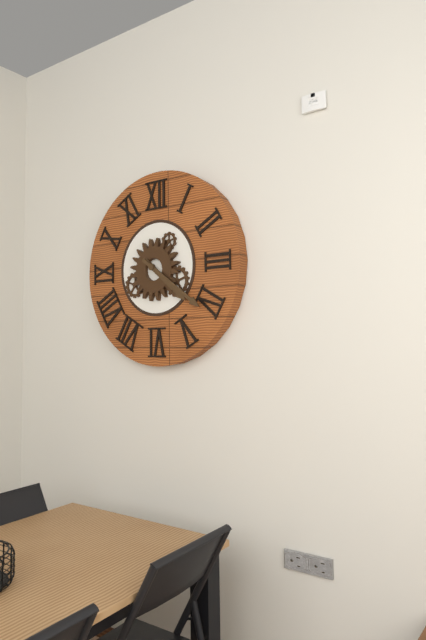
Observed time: 4:21
